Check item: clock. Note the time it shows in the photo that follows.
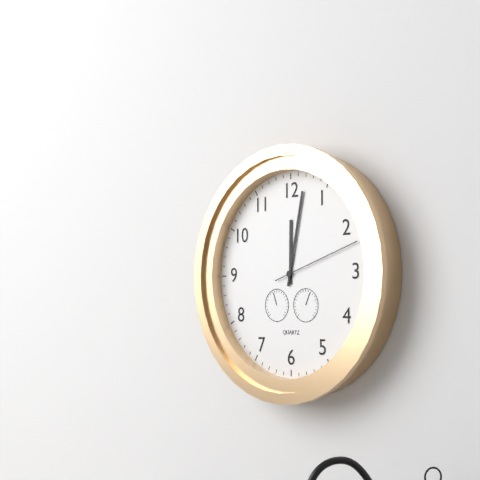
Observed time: 12:02:12
